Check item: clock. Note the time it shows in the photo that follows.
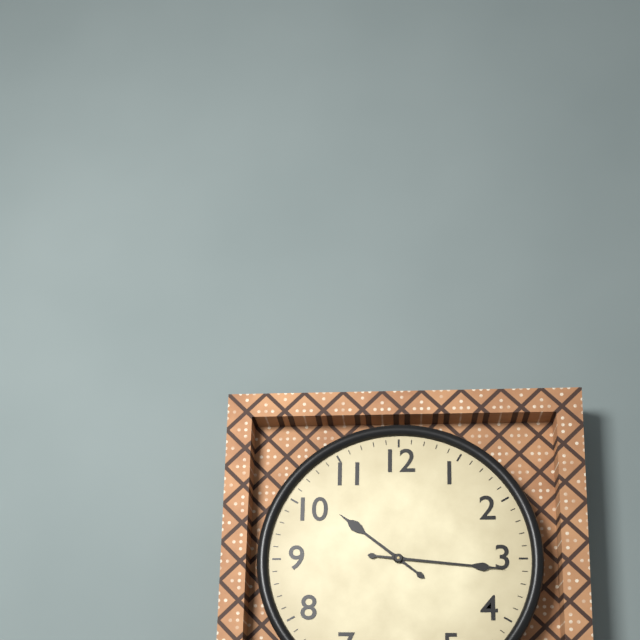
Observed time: 10:16
